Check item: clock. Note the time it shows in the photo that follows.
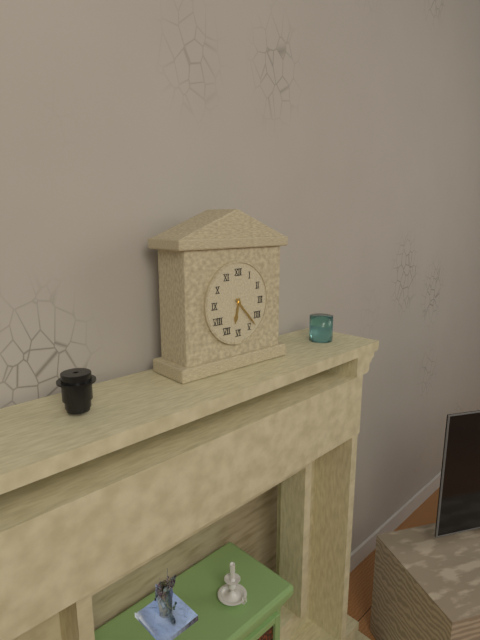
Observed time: 6:23
